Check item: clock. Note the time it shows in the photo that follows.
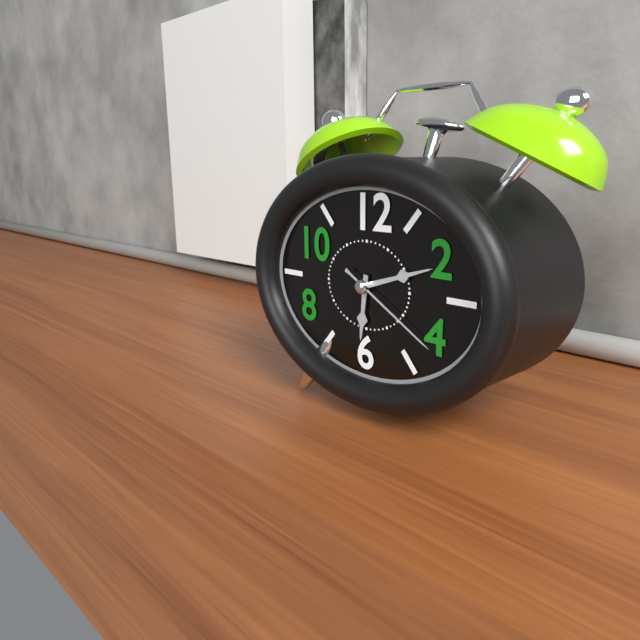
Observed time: 6:12:20
